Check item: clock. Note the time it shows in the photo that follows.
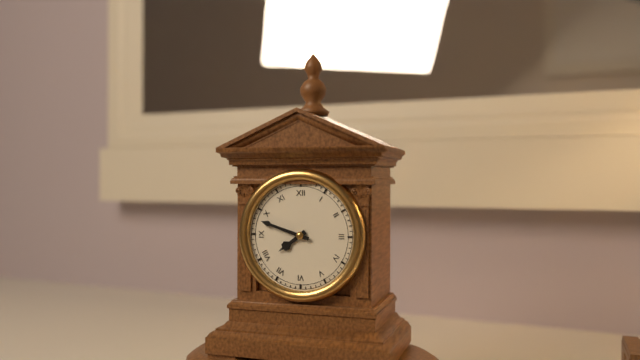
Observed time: 7:48
